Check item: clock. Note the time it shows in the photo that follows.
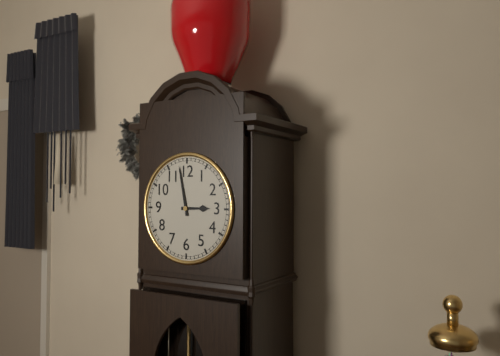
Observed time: 2:58
